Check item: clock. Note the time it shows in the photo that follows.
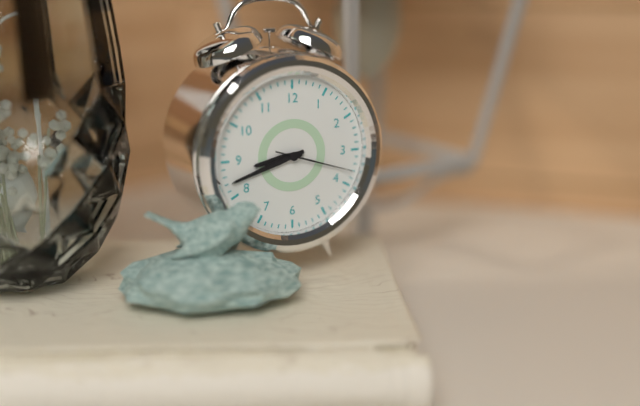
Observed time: 8:42:18
